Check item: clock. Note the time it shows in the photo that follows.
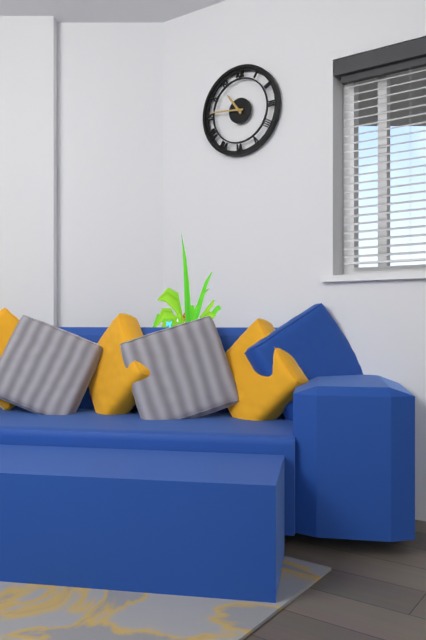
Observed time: 10:46
